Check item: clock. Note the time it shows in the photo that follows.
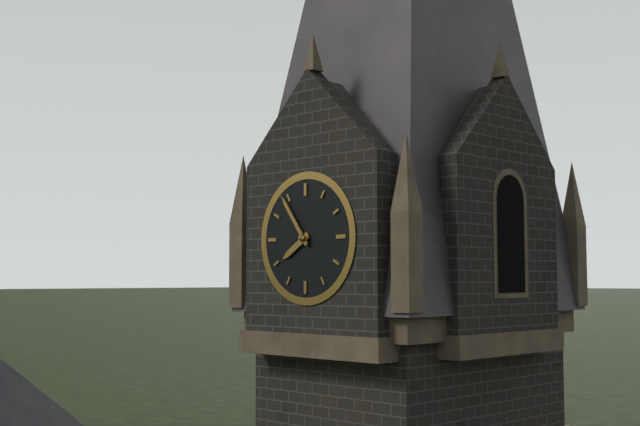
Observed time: 7:54
